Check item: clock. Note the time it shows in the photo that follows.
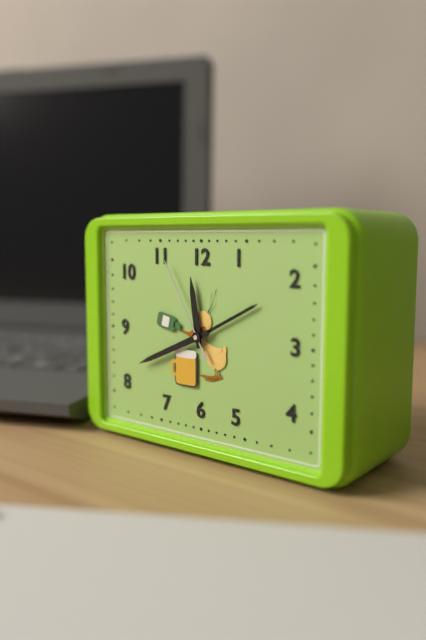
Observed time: 11:41:55
